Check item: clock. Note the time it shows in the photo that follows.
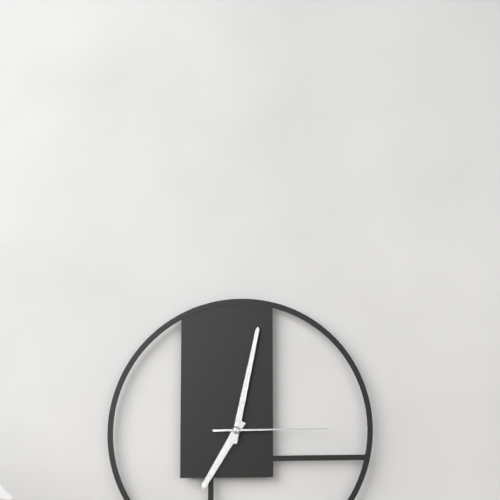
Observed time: 7:02:15
